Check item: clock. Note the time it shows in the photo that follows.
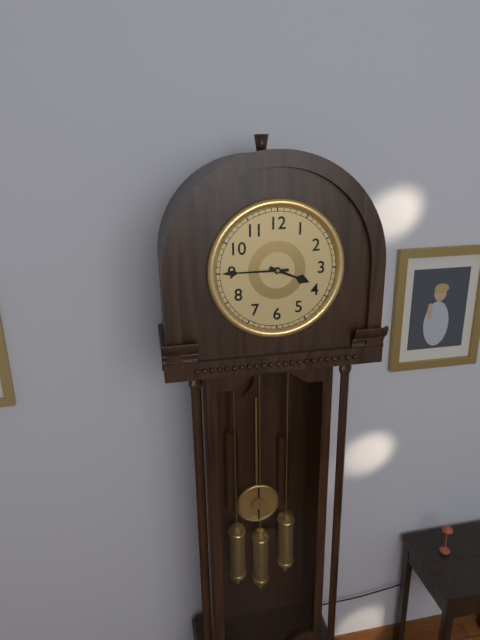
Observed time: 3:45
